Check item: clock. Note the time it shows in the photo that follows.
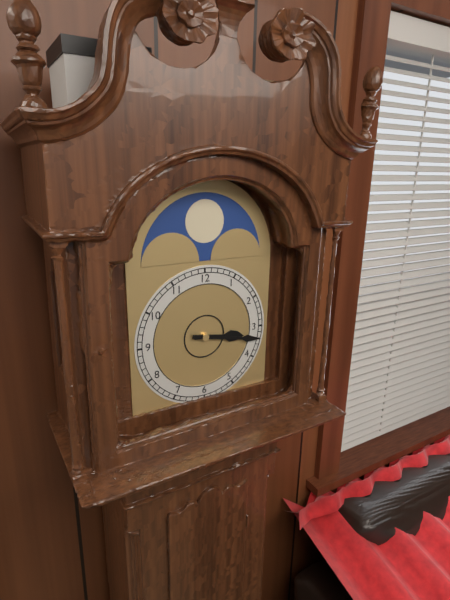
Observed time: 3:17
